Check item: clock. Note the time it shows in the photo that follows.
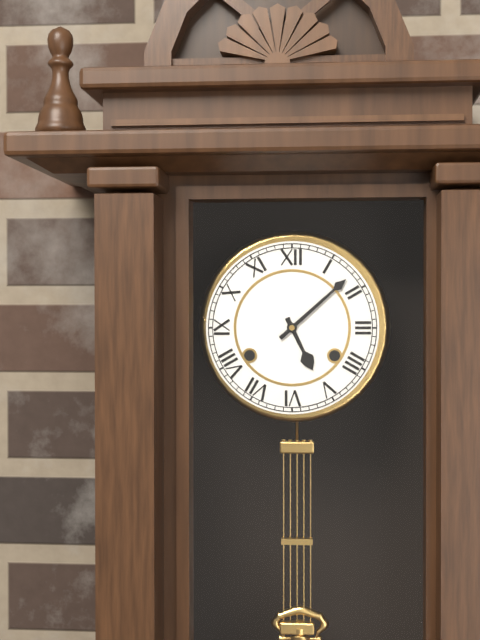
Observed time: 5:08
